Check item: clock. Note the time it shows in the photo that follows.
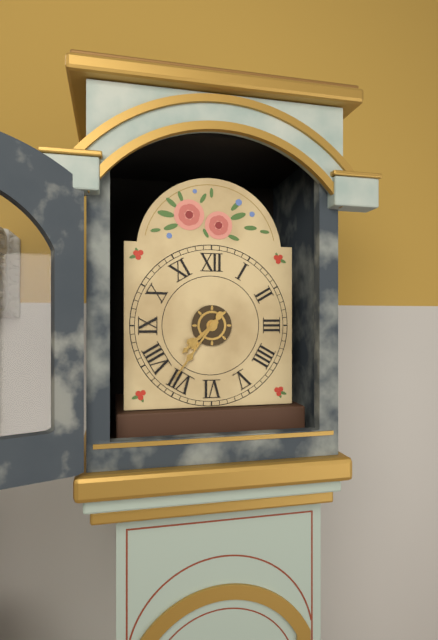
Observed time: 7:36
